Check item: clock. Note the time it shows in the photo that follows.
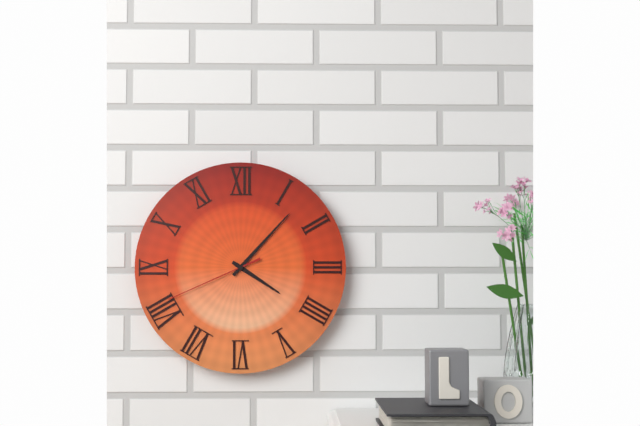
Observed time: 4:07:41
